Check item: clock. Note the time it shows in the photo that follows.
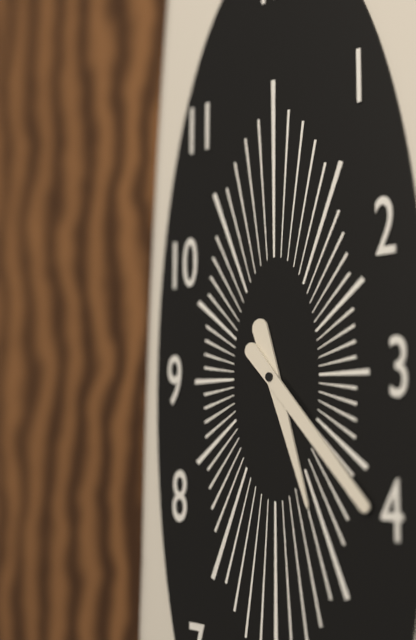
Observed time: 5:23
